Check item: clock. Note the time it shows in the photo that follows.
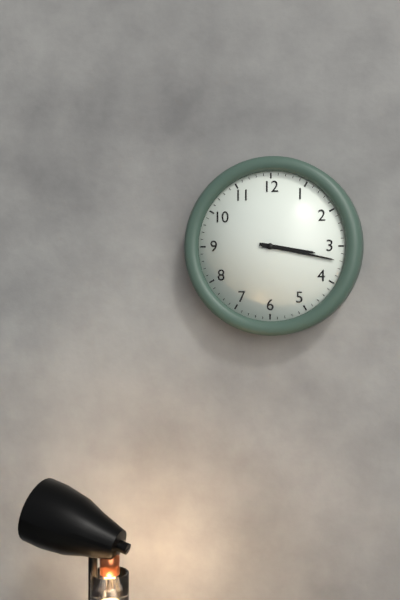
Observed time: 3:17
